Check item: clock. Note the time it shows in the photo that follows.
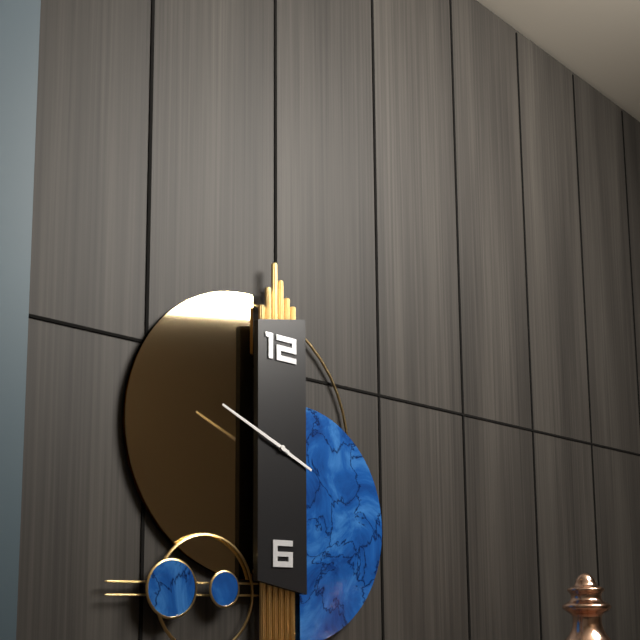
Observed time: 3:49
